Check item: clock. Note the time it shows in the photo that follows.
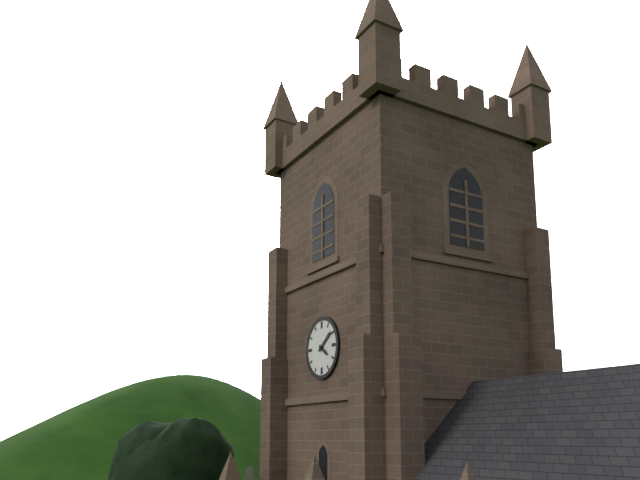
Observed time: 4:09
